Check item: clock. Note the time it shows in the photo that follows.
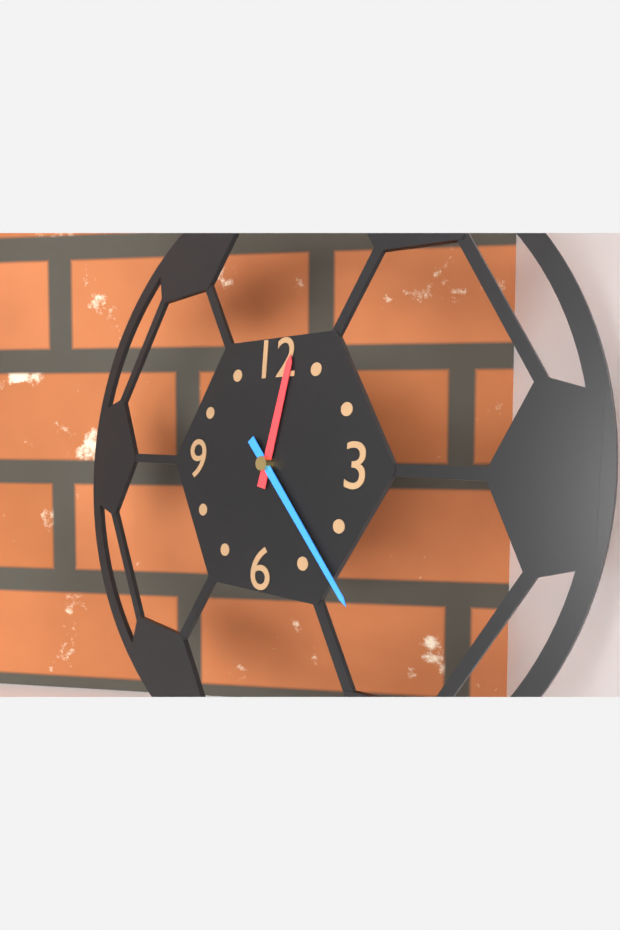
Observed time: 12:23
